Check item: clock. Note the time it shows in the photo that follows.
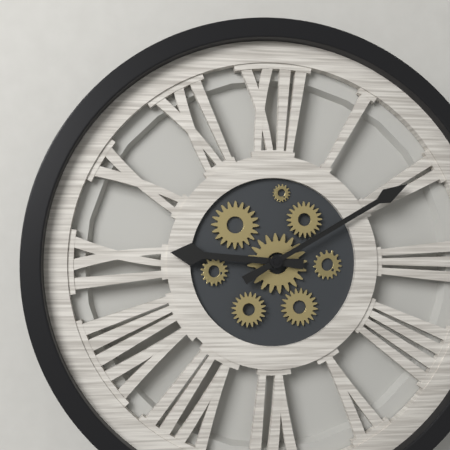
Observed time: 9:10
